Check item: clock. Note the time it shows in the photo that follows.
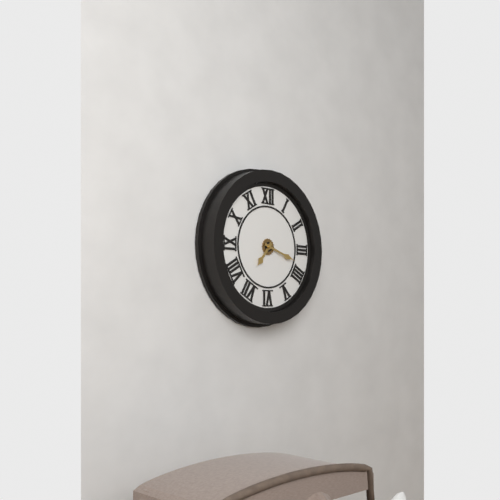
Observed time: 7:18
